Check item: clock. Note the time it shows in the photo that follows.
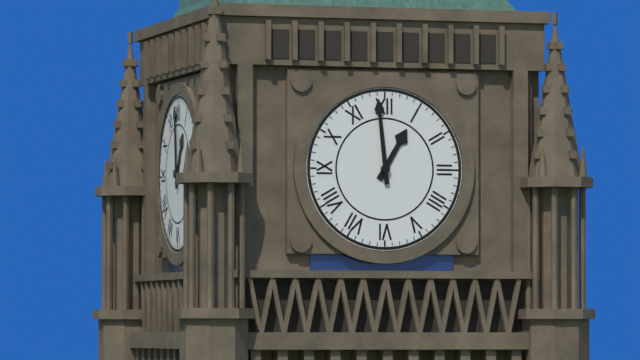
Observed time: 12:59
